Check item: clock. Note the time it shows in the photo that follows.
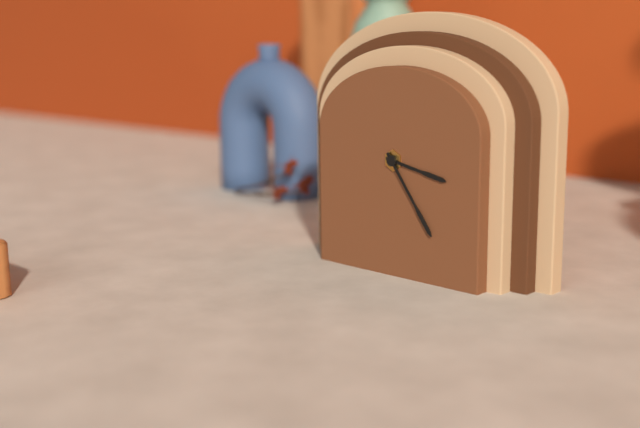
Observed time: 3:24
